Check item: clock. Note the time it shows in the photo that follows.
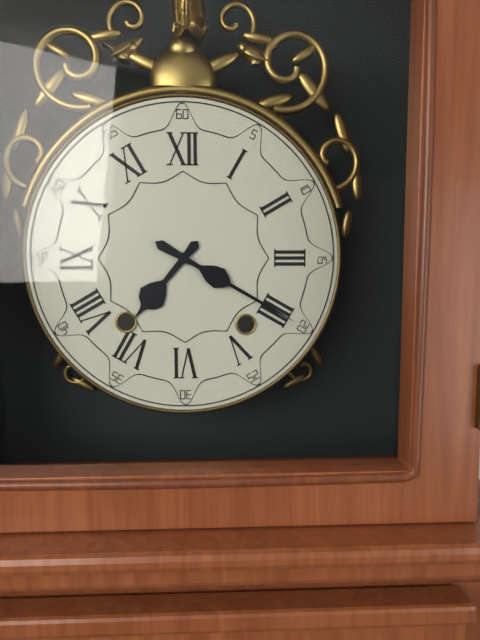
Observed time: 7:20
